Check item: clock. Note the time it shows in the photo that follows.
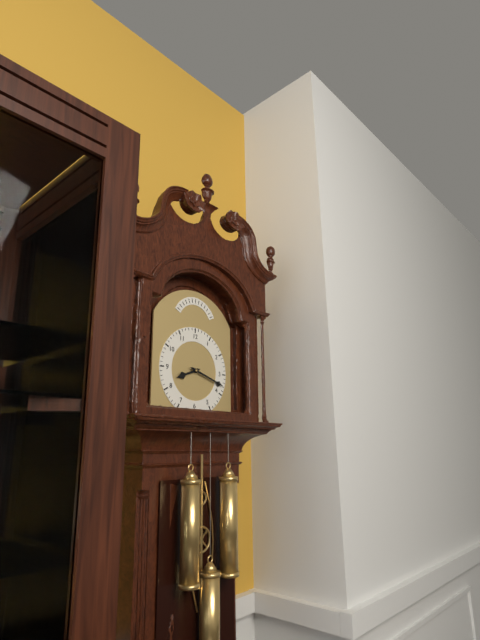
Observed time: 8:18
